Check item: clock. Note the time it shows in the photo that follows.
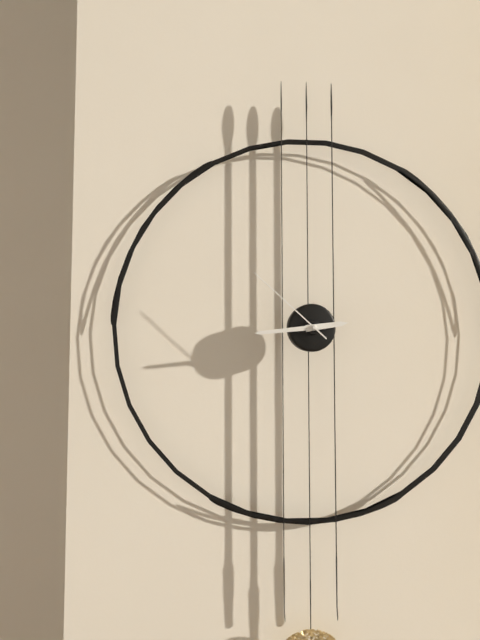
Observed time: 2:44:52
